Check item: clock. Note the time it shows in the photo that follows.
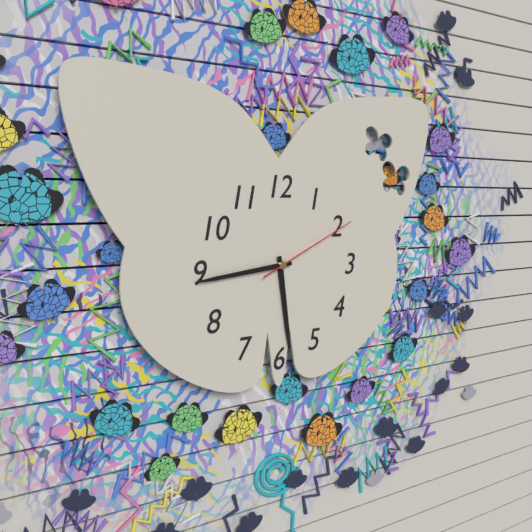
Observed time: 5:44:11
